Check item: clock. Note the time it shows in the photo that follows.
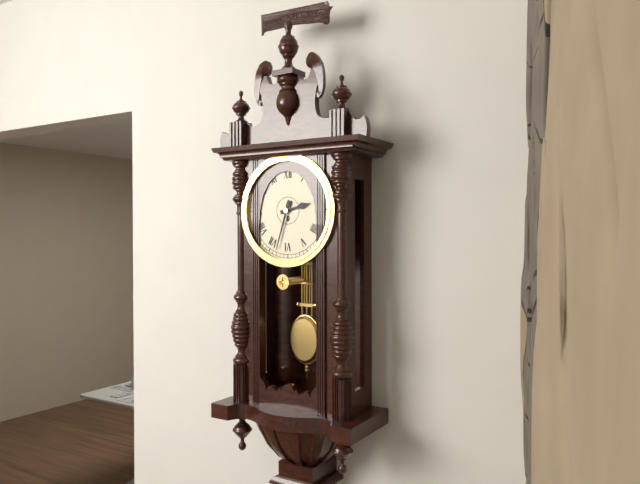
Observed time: 2:33
